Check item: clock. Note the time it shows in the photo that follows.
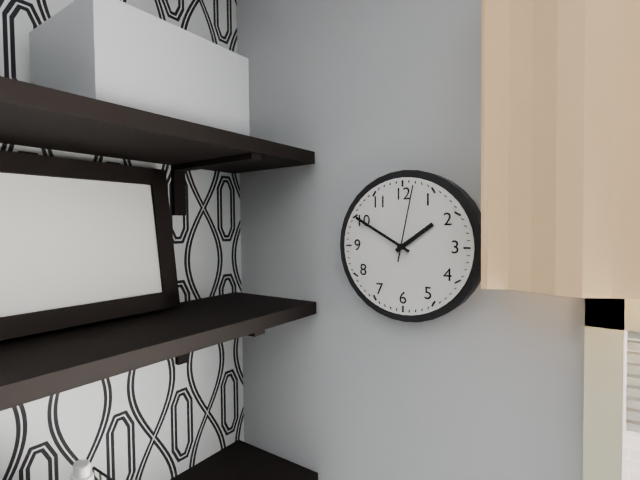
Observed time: 1:50:02
